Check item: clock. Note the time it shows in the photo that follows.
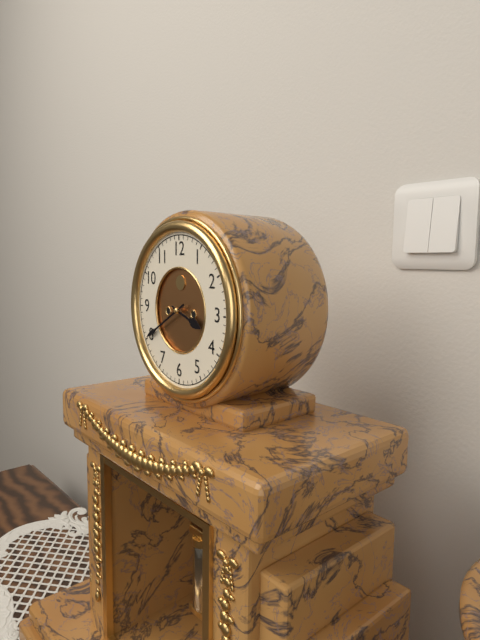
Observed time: 3:40
